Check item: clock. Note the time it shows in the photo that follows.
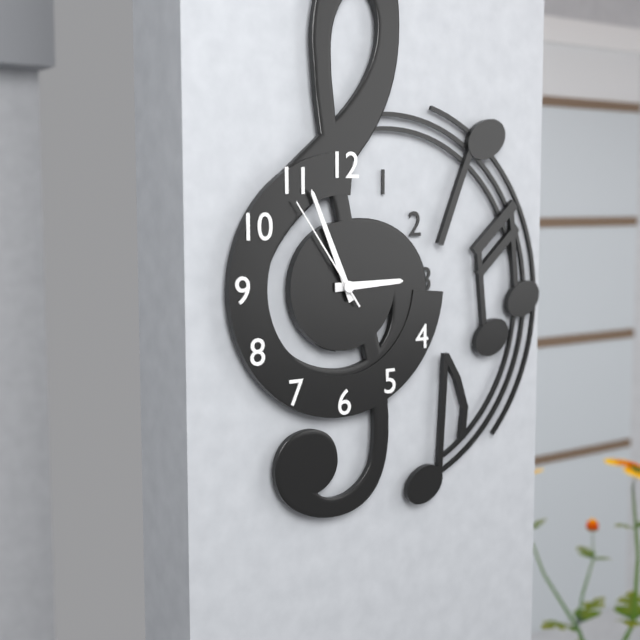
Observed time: 2:56:54
